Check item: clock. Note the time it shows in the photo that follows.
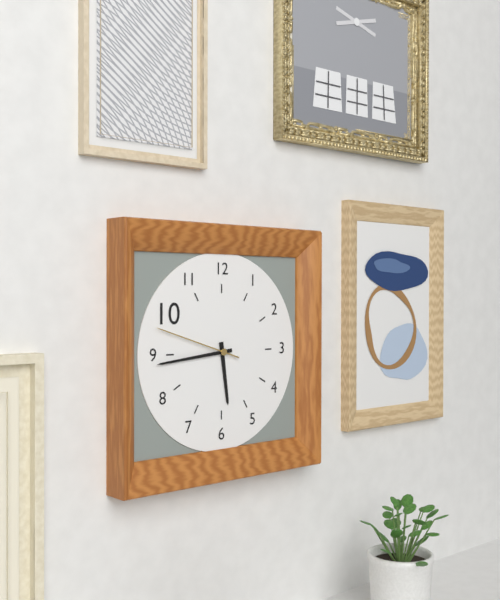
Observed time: 5:44:48
